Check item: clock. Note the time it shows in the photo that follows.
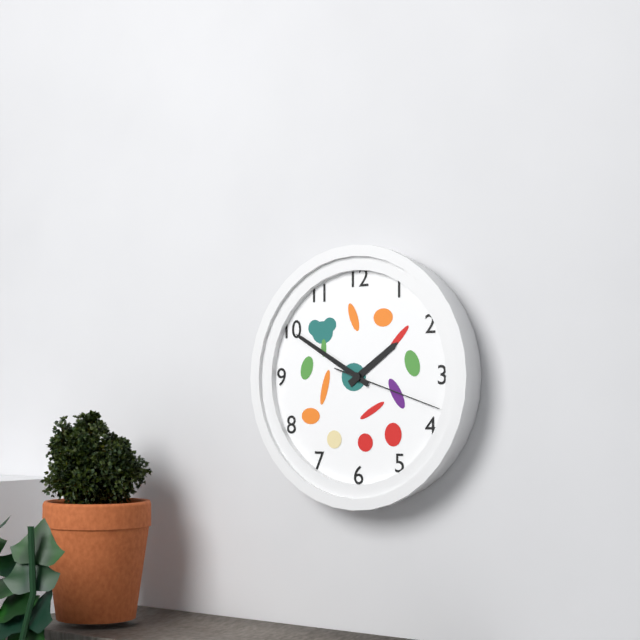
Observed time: 1:50:18
